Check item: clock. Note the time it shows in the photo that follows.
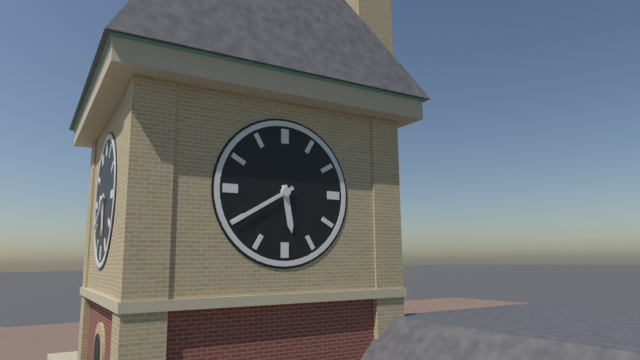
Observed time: 5:40
